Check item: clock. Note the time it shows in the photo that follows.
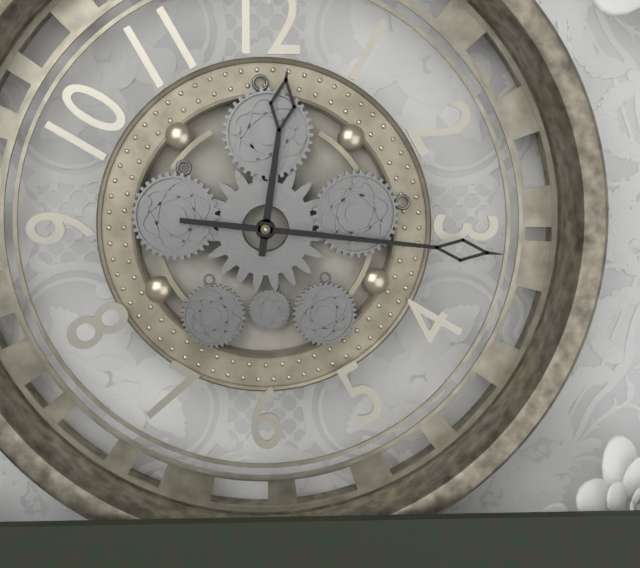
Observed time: 12:16
